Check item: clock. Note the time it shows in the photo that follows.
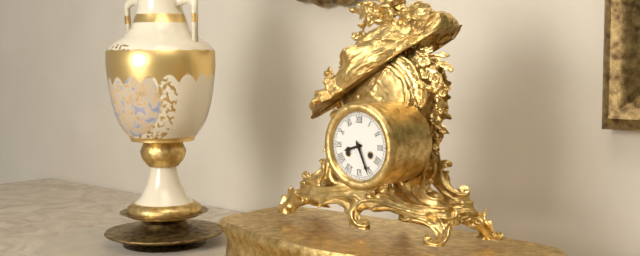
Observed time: 8:26
